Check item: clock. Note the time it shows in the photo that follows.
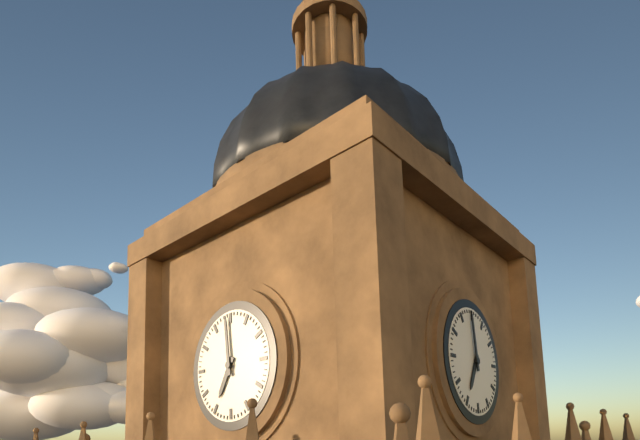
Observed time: 6:59
